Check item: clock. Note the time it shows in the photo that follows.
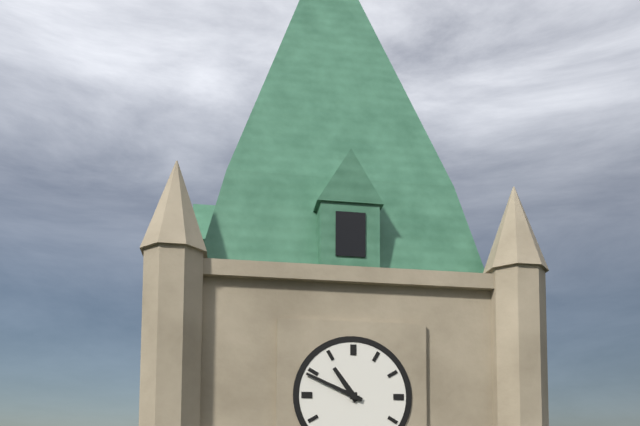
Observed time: 10:49
